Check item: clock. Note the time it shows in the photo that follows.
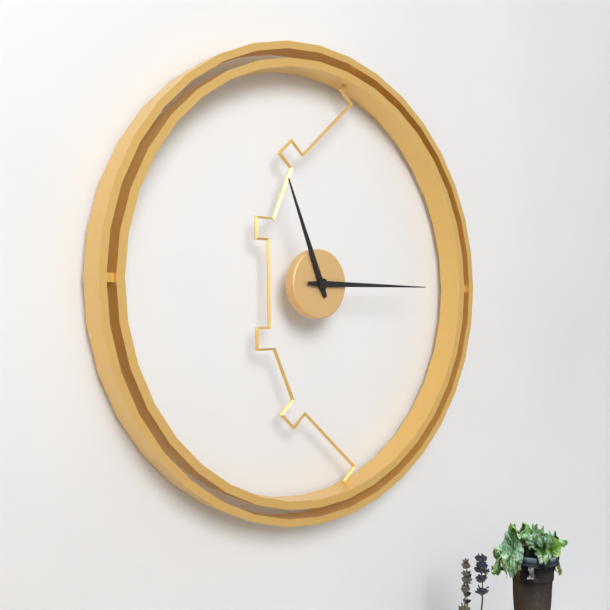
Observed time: 11:15
